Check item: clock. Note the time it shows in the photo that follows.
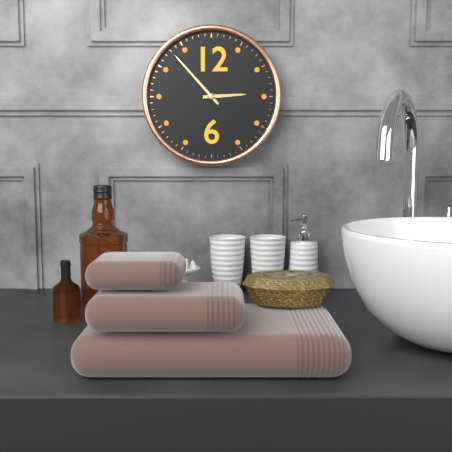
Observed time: 2:53
